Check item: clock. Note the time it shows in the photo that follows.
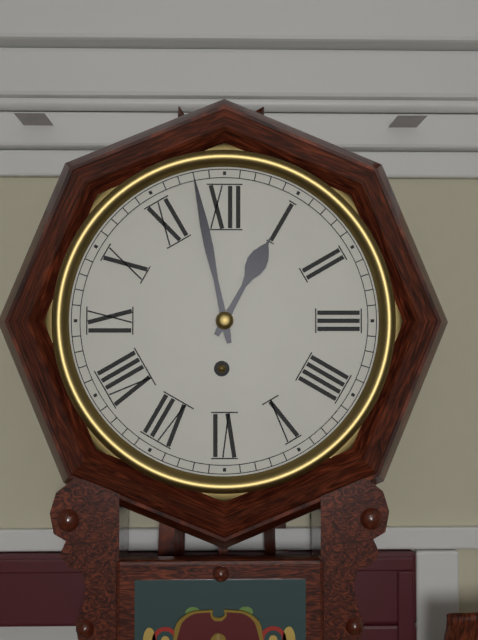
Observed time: 12:58
